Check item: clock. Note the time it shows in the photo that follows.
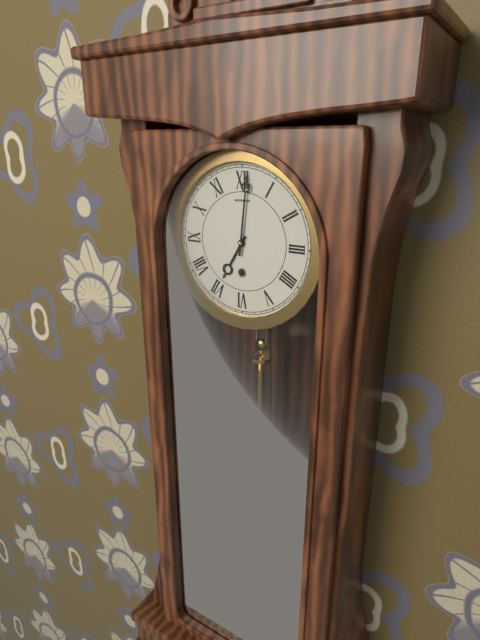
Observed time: 7:01
